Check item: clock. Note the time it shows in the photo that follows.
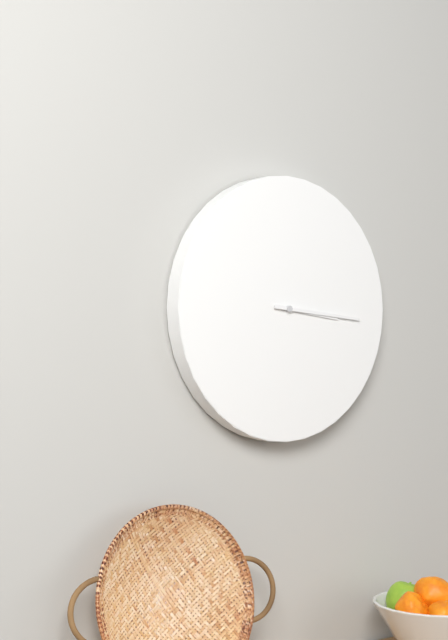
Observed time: 3:16
